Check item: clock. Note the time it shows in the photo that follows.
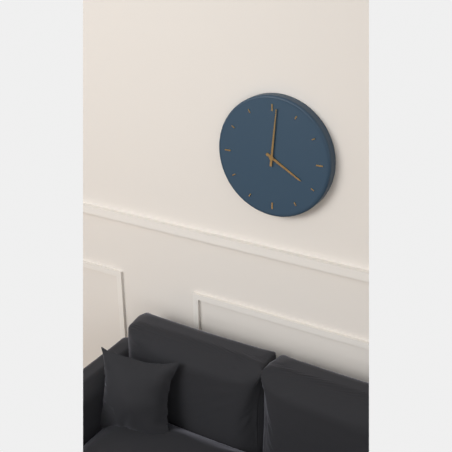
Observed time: 4:01
